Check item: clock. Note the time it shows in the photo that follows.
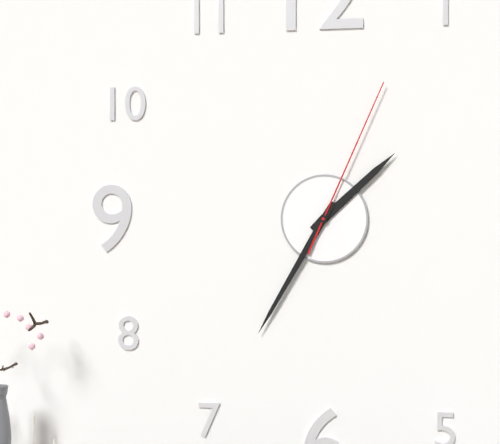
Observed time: 1:35:04
